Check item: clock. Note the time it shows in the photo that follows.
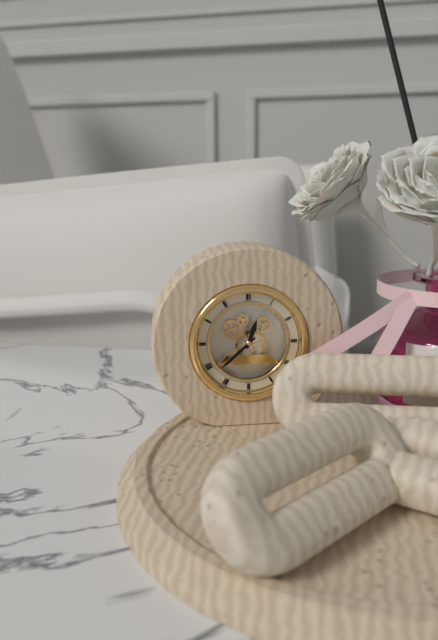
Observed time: 12:38
